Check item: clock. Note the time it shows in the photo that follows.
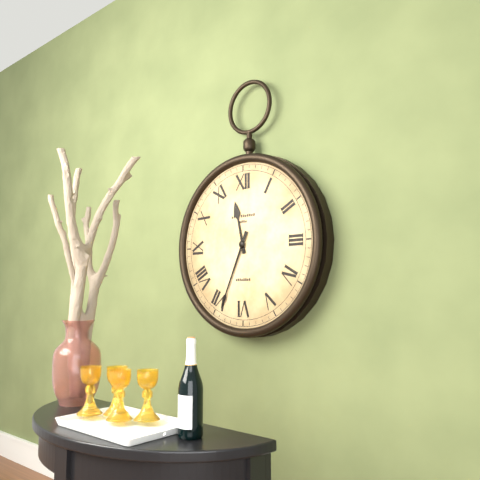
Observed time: 11:34
